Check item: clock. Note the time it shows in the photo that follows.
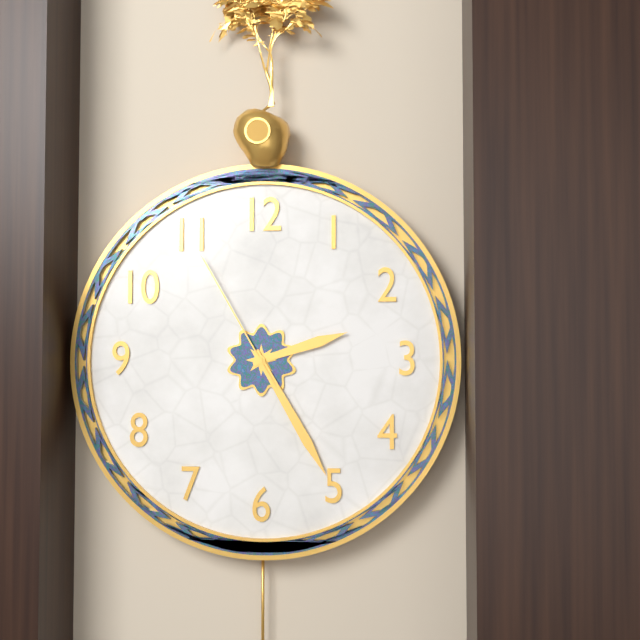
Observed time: 2:25:55
